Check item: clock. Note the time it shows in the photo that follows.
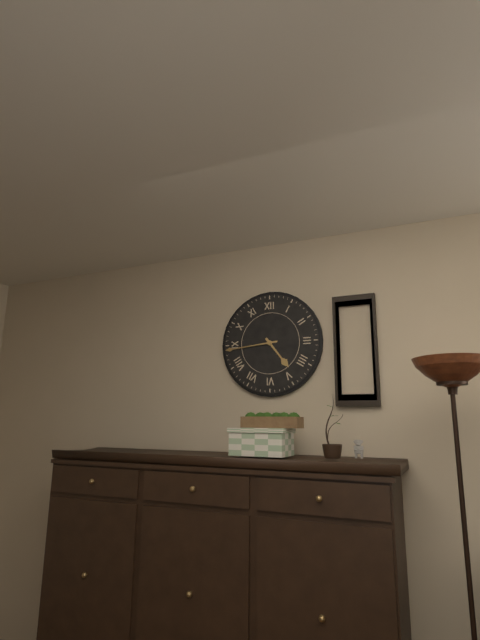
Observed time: 4:44
